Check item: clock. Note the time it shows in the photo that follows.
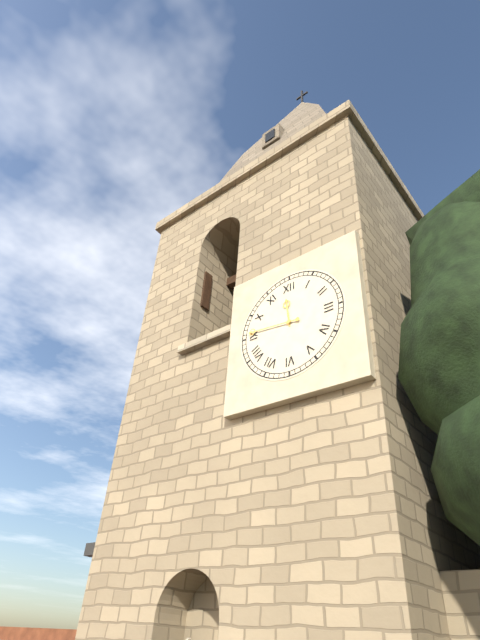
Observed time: 11:46
